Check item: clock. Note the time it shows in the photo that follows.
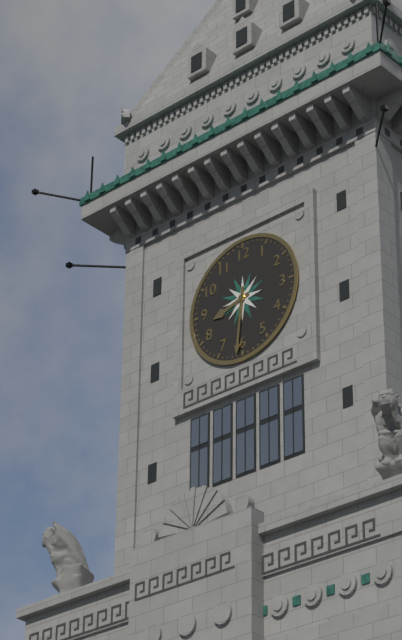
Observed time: 8:31
